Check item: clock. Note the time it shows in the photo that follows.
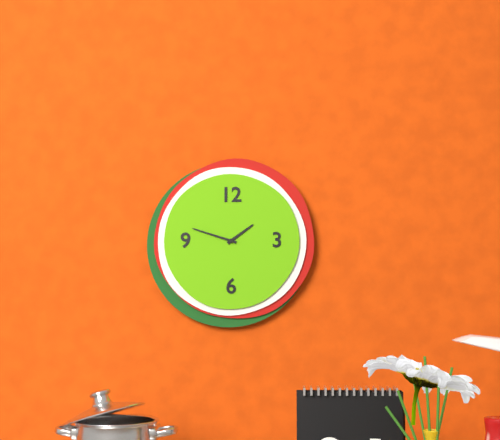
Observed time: 1:48
